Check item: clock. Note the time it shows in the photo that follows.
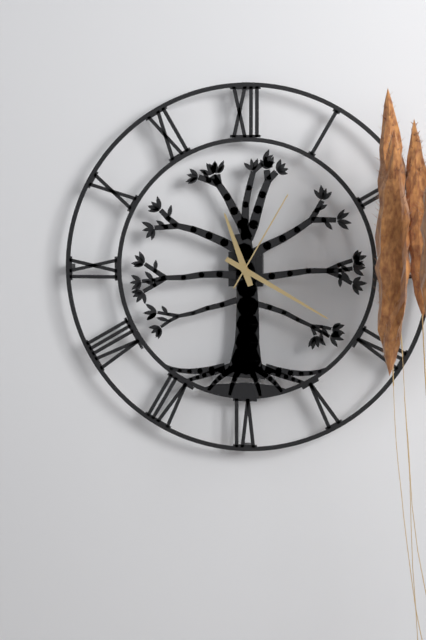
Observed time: 11:20:05
